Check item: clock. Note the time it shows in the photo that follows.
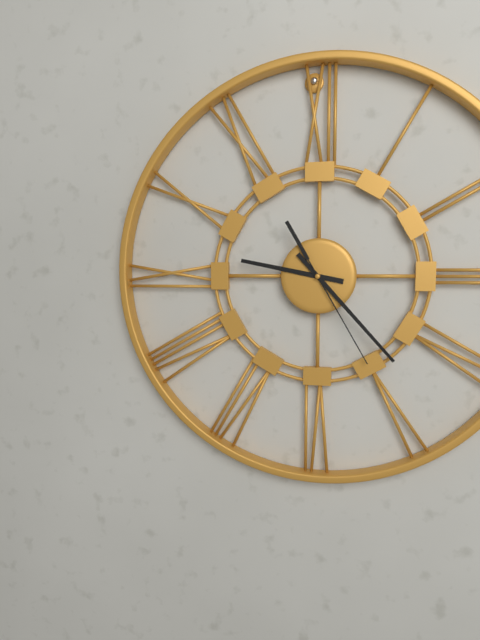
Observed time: 9:23:25
